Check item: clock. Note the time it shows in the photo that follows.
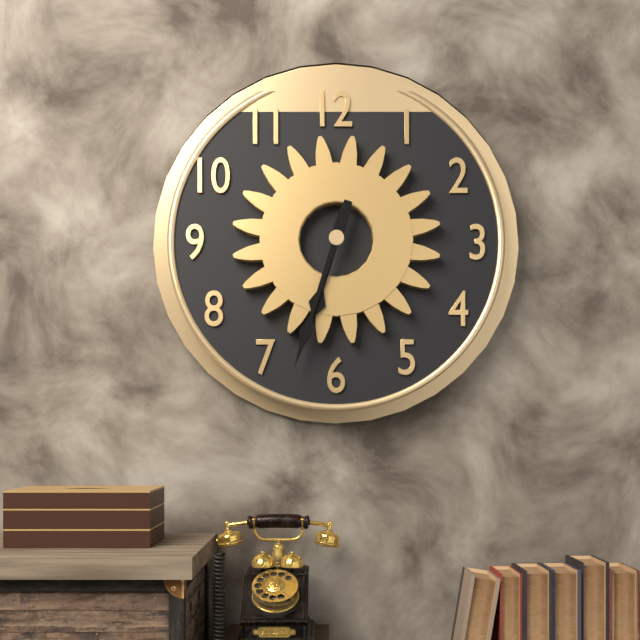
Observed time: 6:33
